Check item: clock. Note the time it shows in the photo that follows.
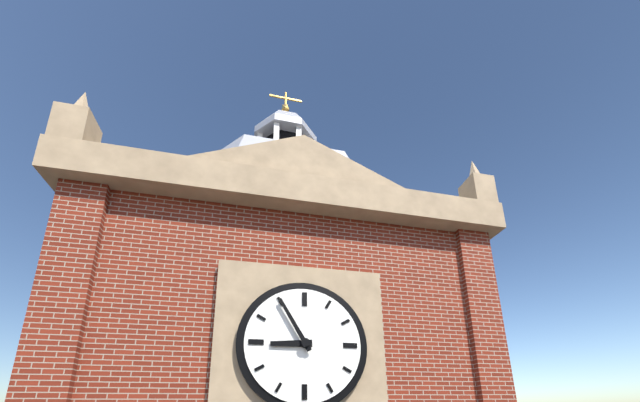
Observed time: 8:55
